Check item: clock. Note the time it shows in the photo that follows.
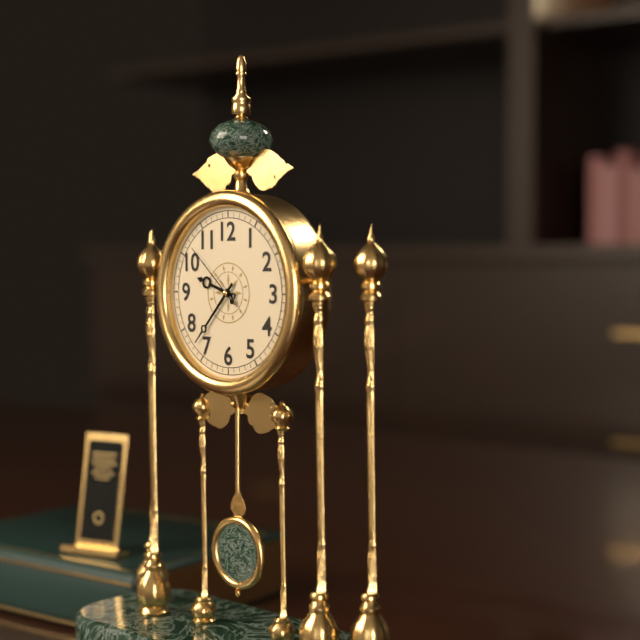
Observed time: 9:37:52
